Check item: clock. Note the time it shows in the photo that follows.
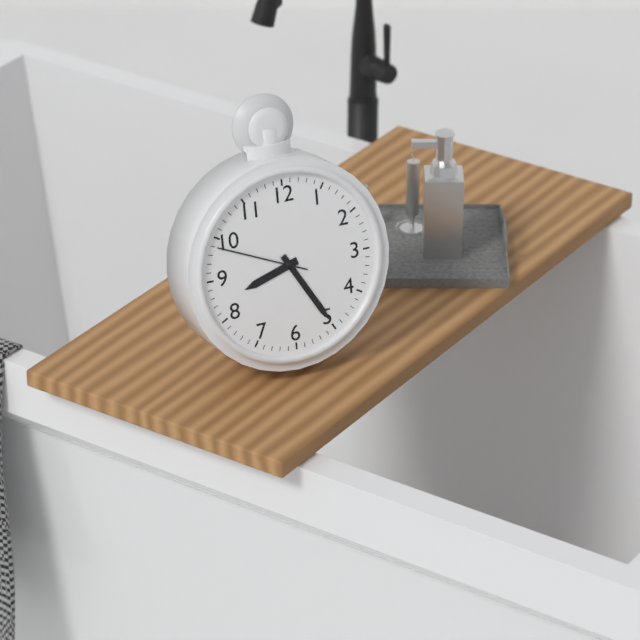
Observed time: 8:25:49
